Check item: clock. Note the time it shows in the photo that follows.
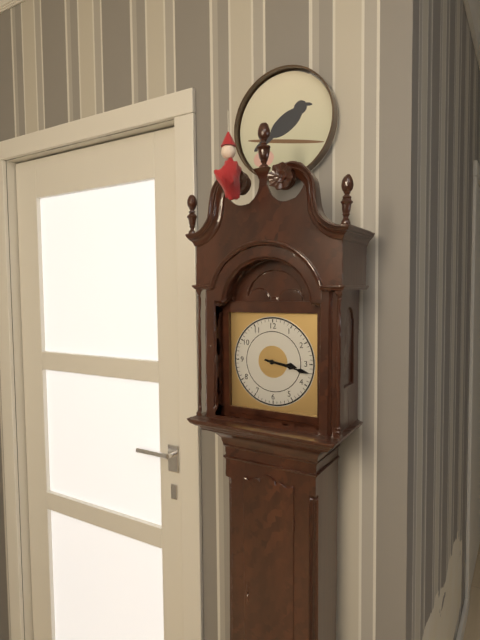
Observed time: 3:17
